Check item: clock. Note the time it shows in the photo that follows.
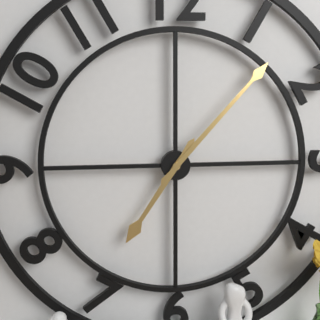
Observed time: 7:07
